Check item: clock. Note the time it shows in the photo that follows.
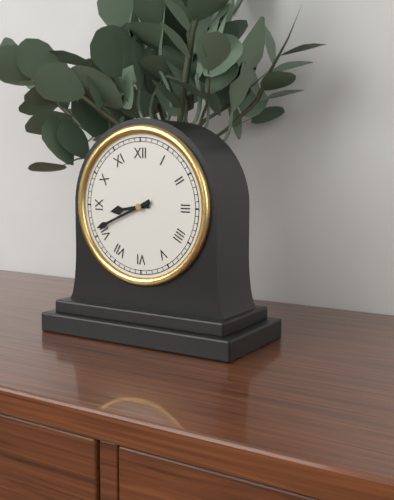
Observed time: 8:41
